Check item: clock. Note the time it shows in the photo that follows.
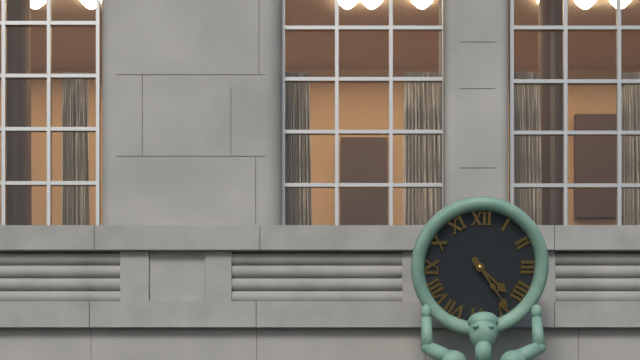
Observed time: 4:24
